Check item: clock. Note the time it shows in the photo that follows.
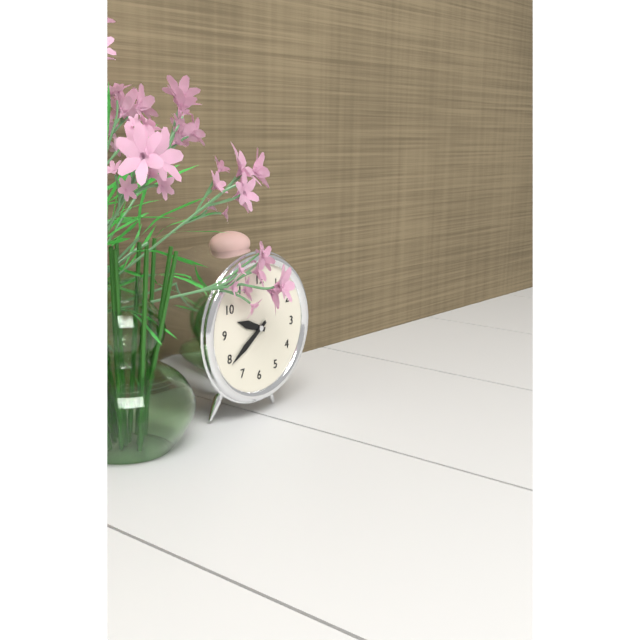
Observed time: 9:39
